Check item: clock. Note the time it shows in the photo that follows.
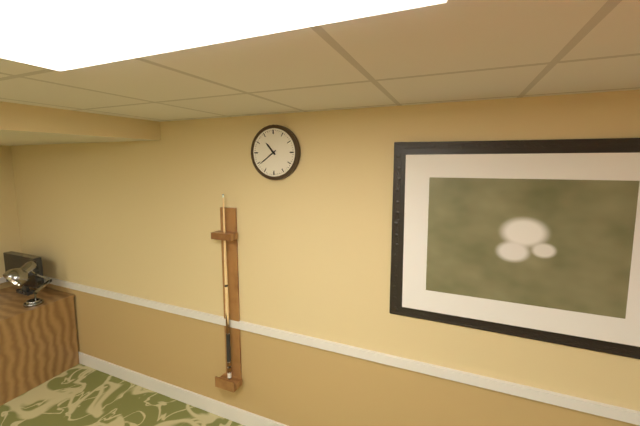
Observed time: 10:39
